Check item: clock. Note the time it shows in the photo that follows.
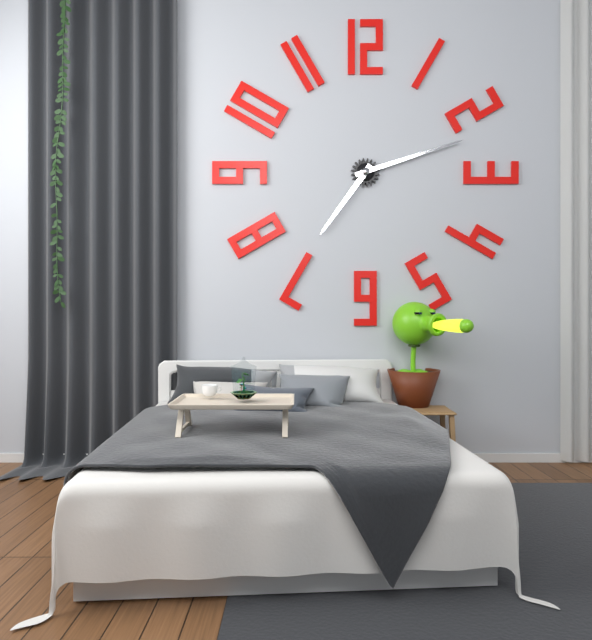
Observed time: 7:12
